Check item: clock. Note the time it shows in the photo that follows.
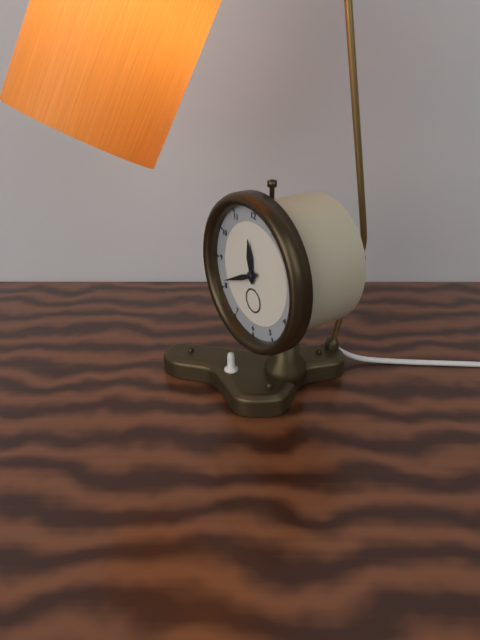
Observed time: 11:41
